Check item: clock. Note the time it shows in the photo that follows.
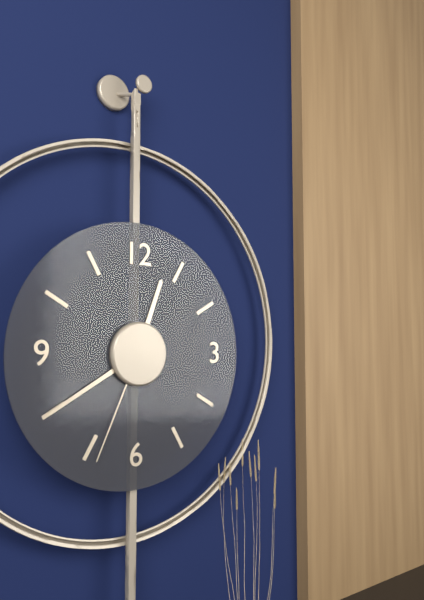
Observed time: 12:40:34
